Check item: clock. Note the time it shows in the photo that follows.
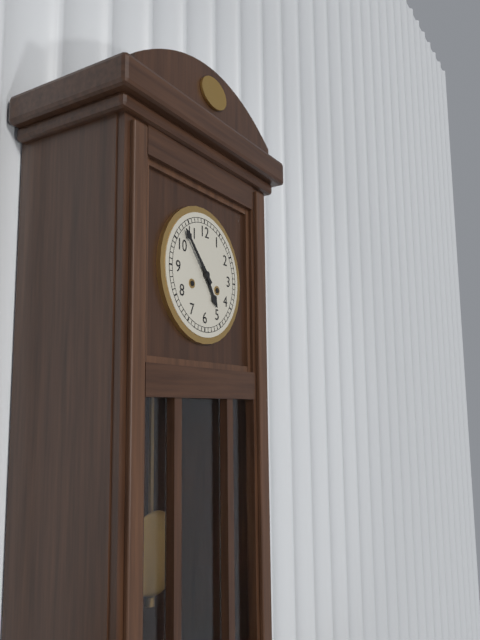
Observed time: 4:53
